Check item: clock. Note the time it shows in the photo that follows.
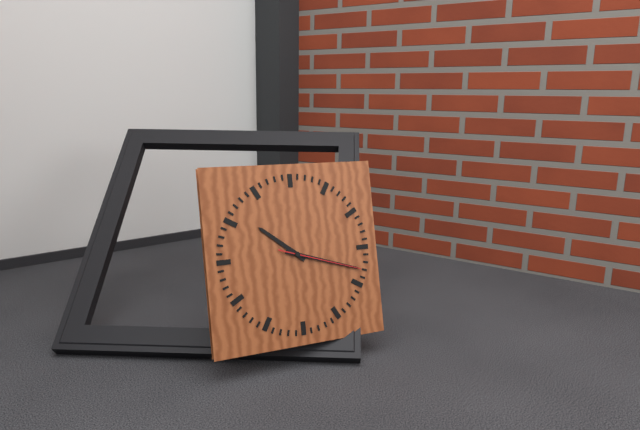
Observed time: 10:18:18
